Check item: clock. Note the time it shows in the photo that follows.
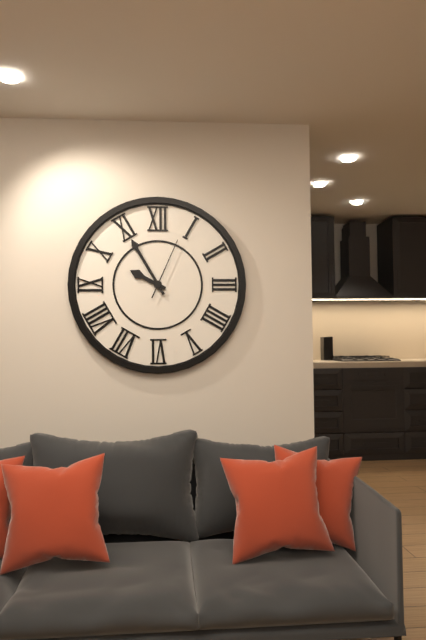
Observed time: 9:55:04
